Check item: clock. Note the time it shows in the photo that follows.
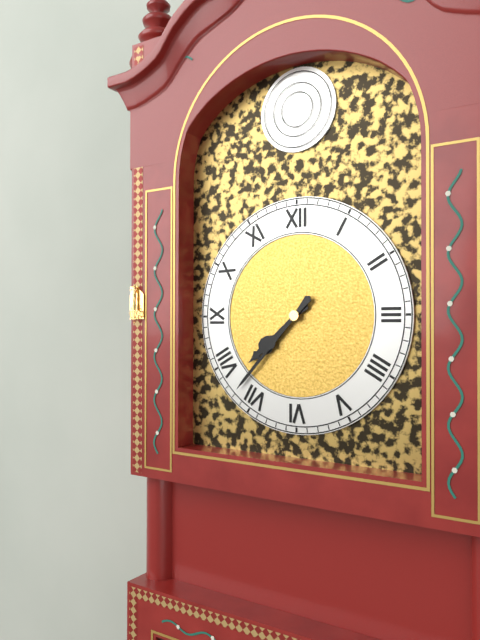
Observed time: 7:37
